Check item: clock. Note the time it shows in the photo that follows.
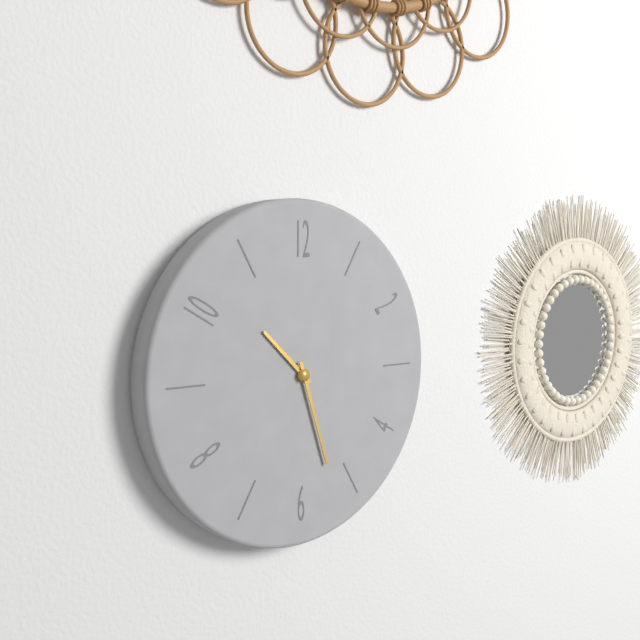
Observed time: 10:27
